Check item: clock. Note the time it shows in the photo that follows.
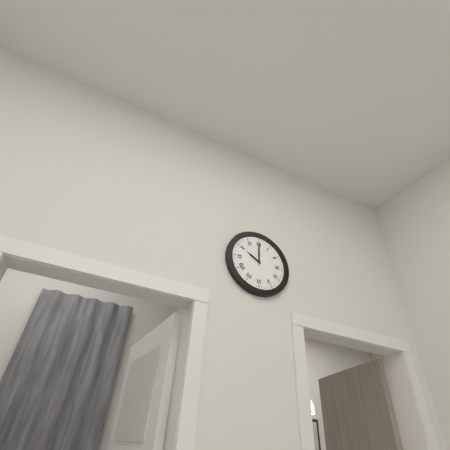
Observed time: 10:00
